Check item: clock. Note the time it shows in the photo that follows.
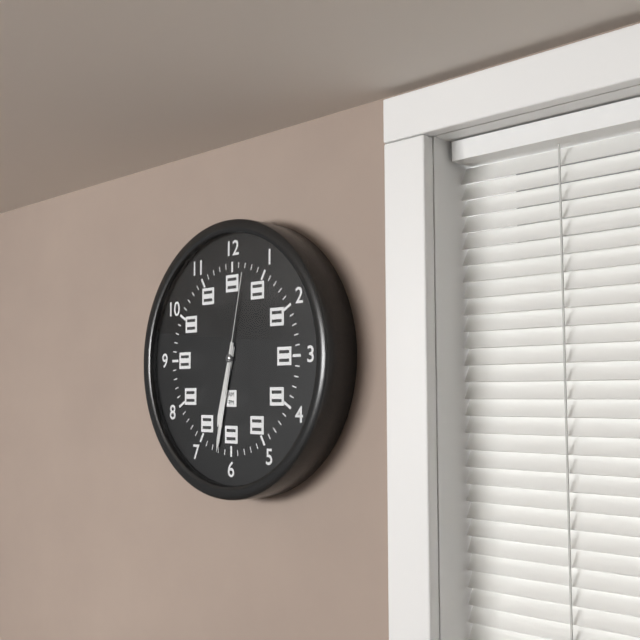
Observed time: 6:32:02
